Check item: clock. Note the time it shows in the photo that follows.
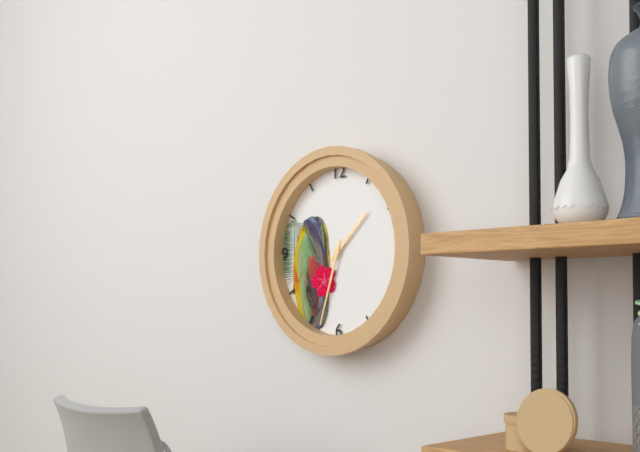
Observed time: 1:33
